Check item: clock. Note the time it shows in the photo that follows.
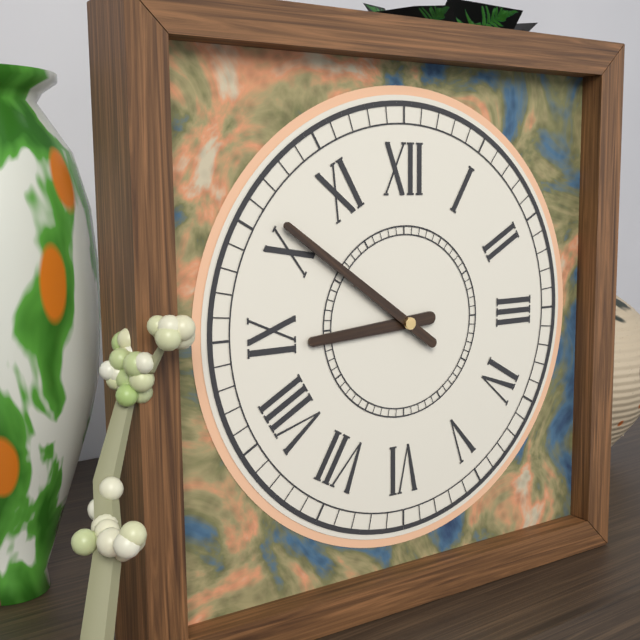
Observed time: 8:51
